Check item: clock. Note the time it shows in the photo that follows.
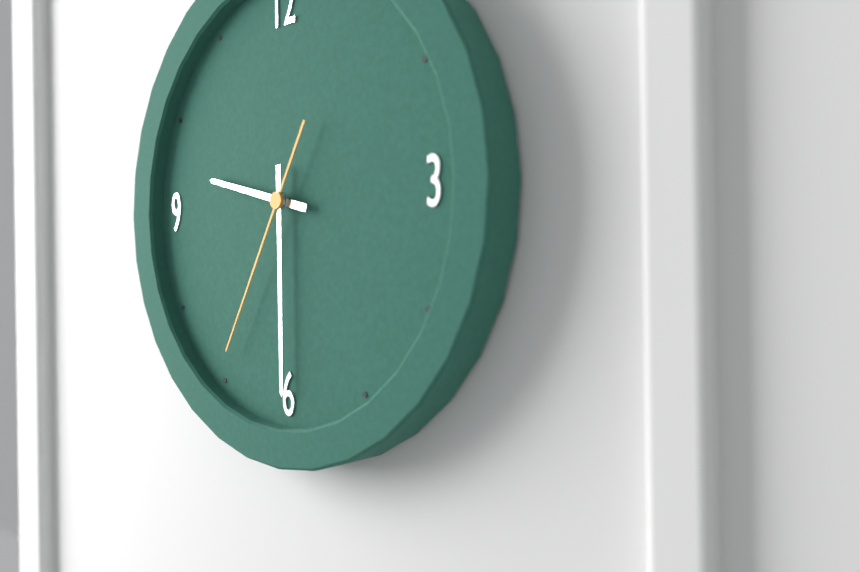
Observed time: 9:30:35
